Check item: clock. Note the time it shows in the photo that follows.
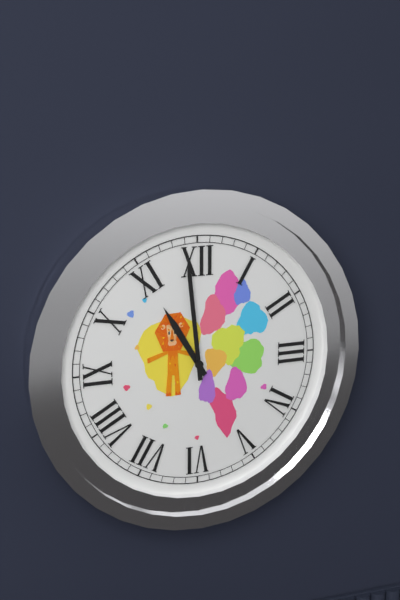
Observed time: 10:59
